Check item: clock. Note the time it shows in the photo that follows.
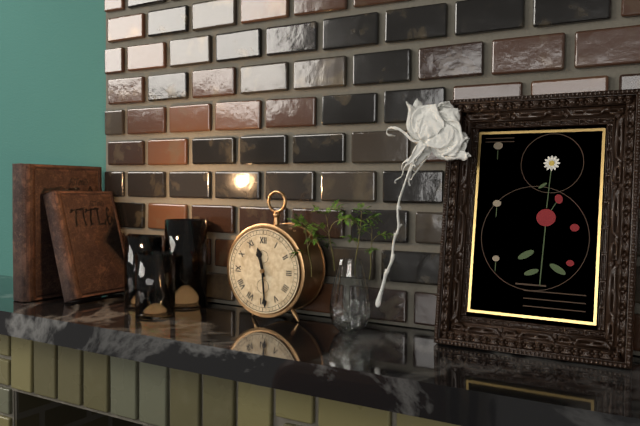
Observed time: 11:29
